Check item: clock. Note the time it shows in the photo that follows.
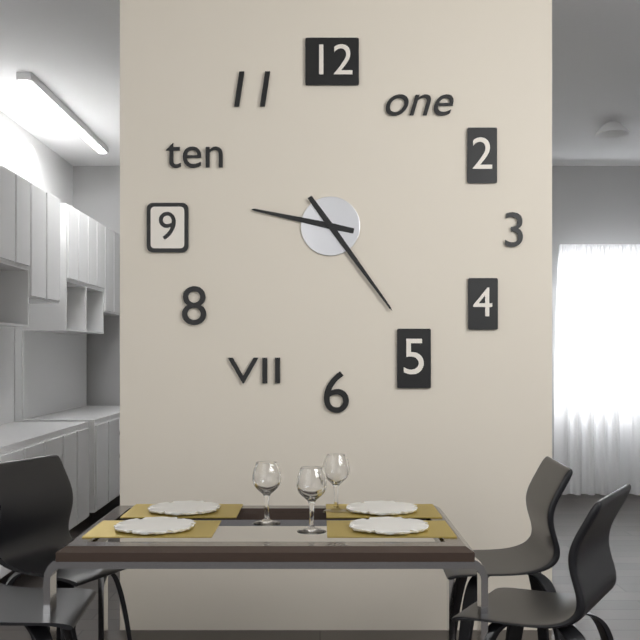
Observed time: 9:24
